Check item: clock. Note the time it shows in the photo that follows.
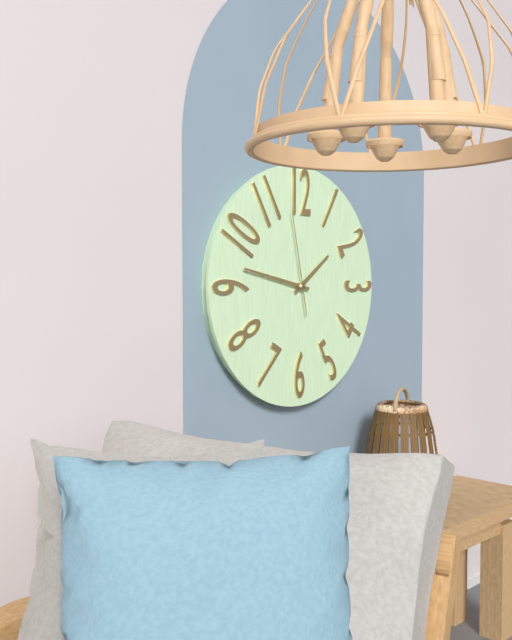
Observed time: 1:47:58
